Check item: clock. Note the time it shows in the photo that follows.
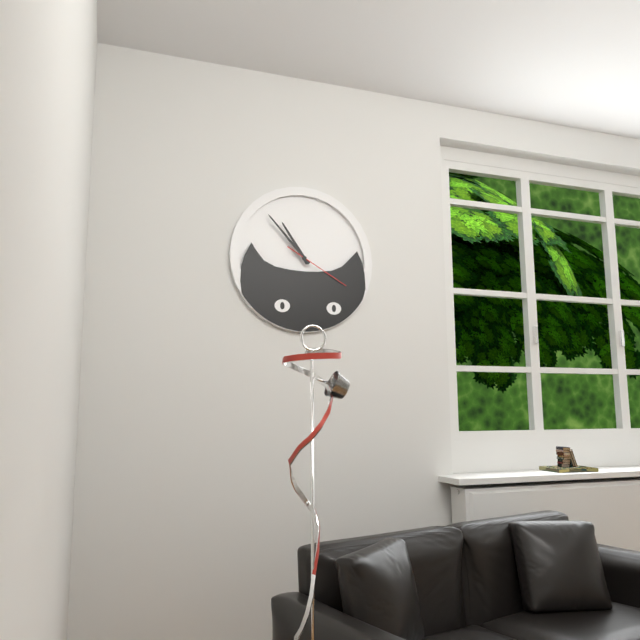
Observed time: 10:53:20
